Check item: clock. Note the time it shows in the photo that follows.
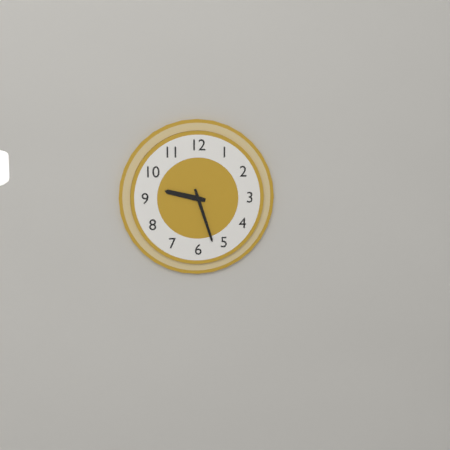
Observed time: 9:27
